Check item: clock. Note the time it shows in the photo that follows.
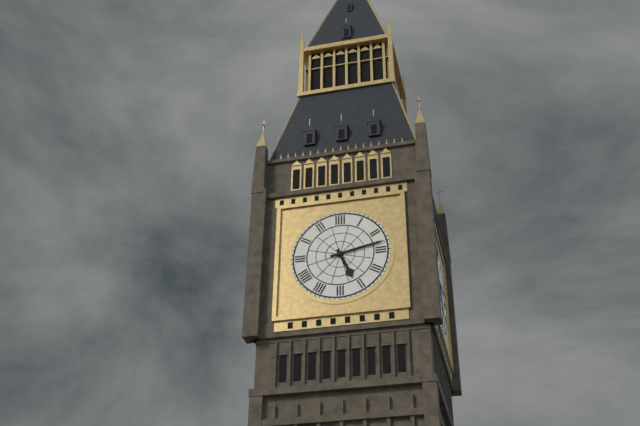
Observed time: 5:13
